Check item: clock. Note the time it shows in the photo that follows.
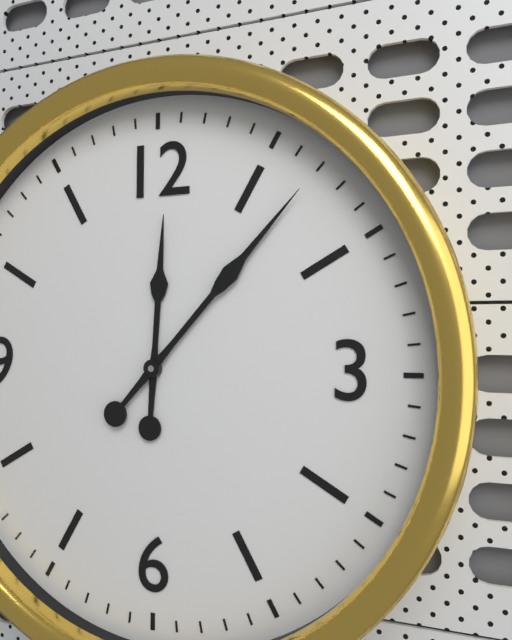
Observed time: 12:07
